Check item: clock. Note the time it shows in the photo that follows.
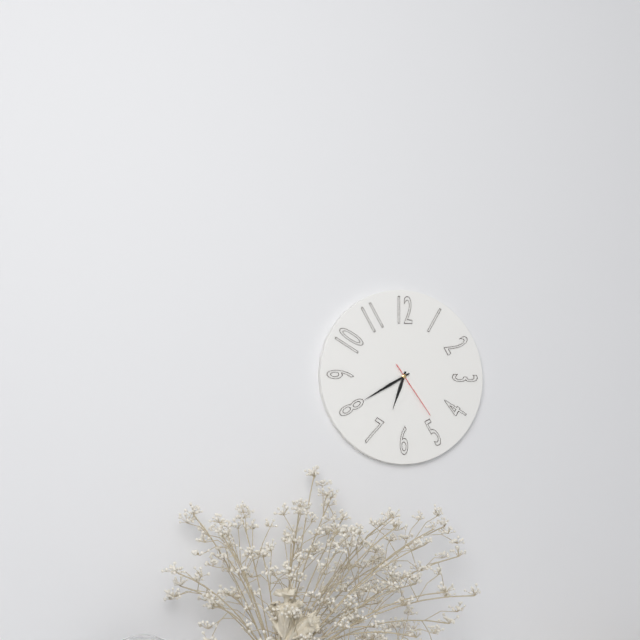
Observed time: 6:40:24
